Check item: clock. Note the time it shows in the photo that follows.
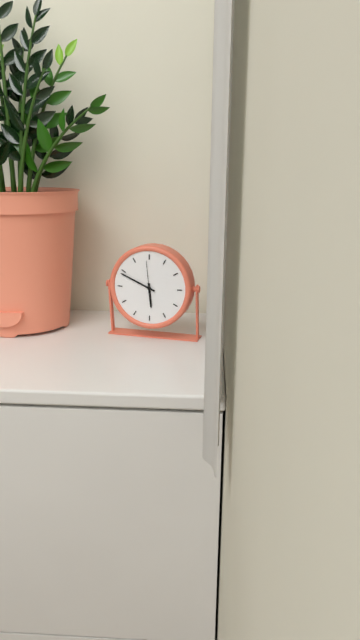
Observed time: 5:49
